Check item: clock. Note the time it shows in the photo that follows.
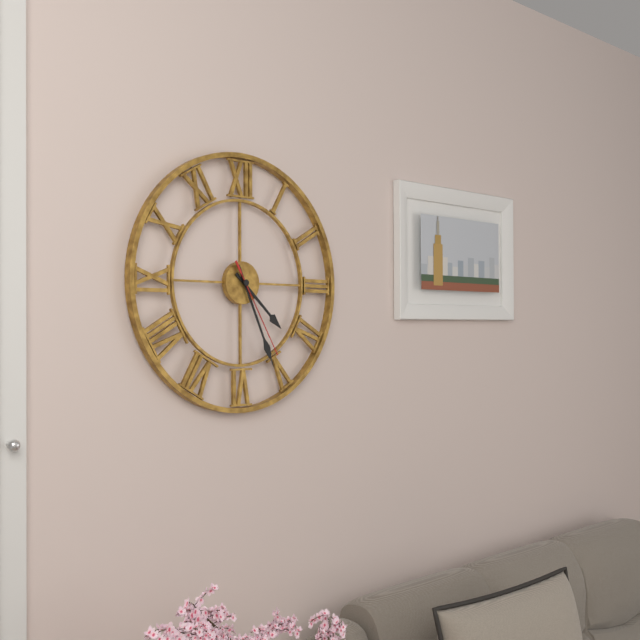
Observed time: 4:26:25
